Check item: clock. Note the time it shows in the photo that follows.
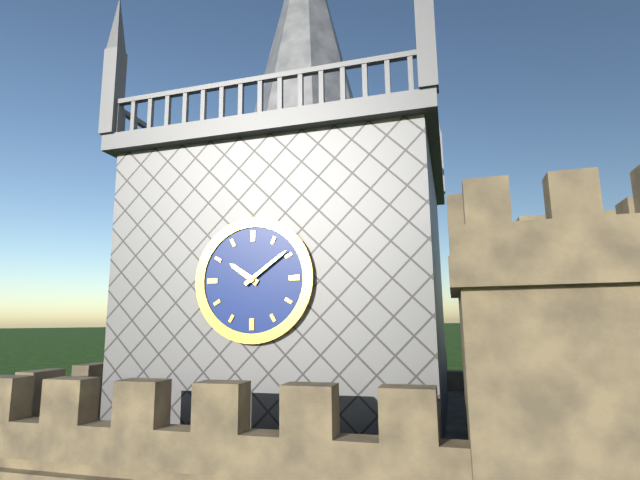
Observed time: 10:09
